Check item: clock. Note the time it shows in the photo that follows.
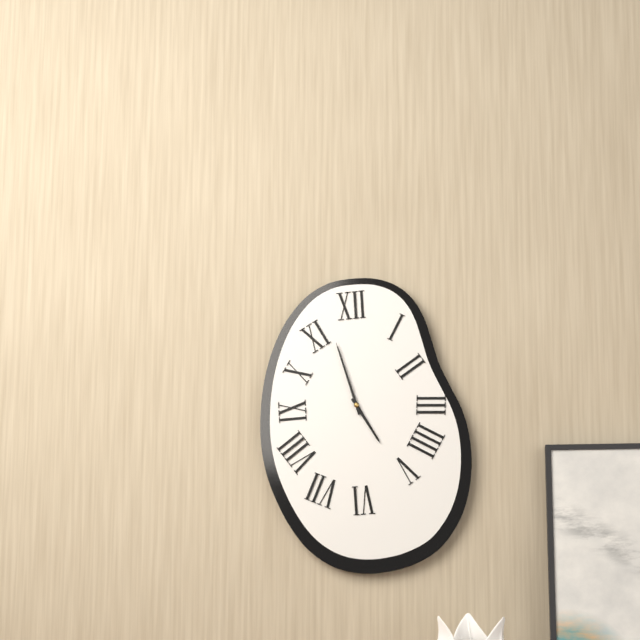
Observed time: 4:57
